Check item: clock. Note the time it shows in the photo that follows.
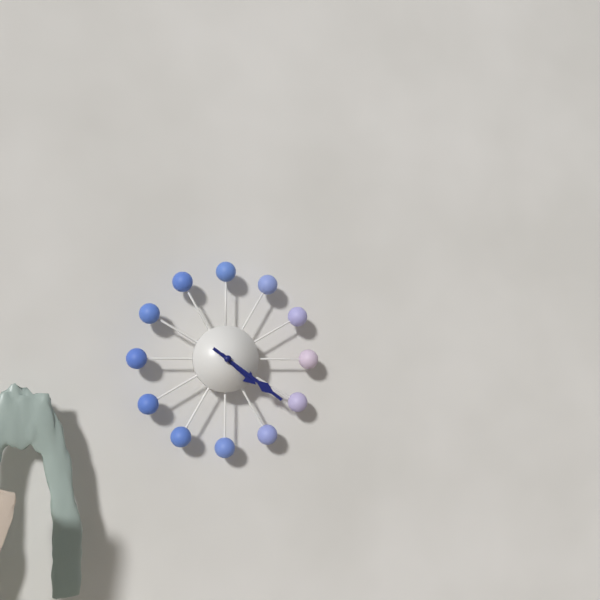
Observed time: 4:21
